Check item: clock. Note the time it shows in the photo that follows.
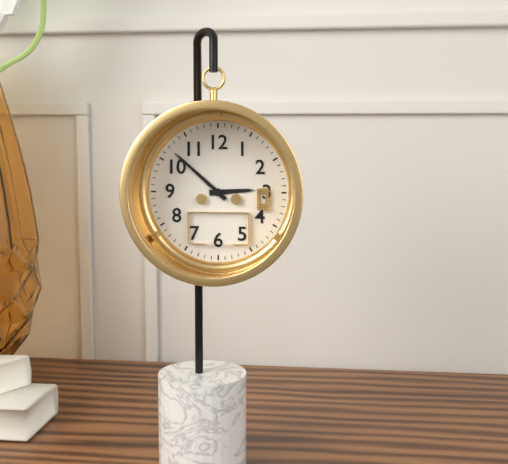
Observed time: 2:52
